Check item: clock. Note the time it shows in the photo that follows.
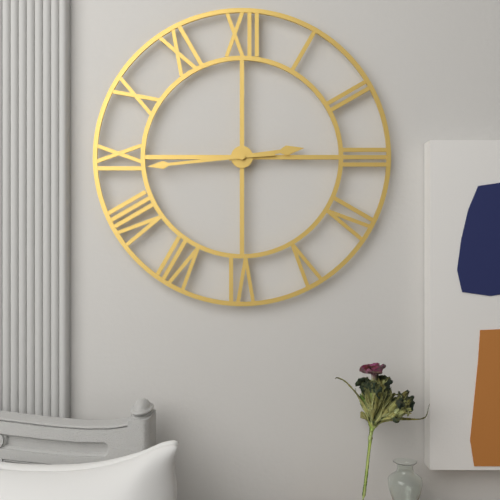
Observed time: 2:44
